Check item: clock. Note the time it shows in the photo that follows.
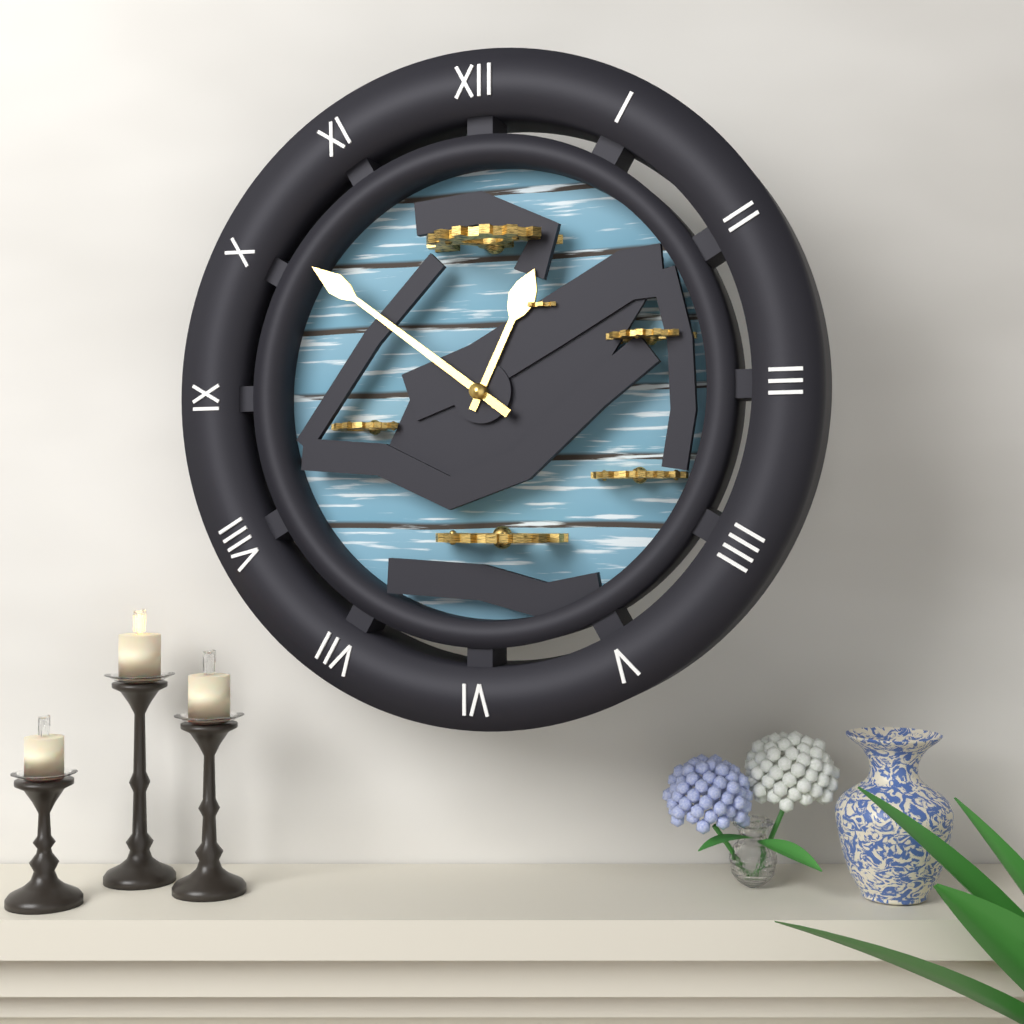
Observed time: 12:51
